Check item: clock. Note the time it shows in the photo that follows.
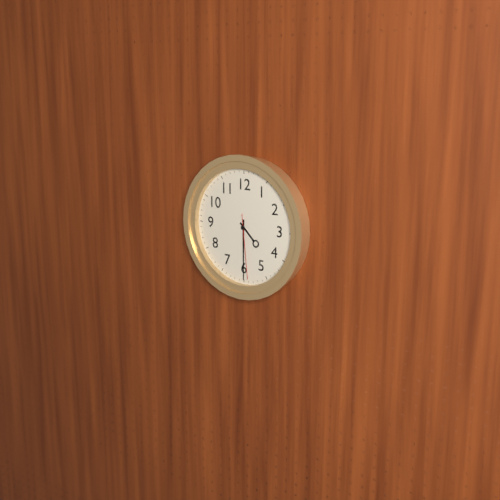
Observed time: 4:30:29
